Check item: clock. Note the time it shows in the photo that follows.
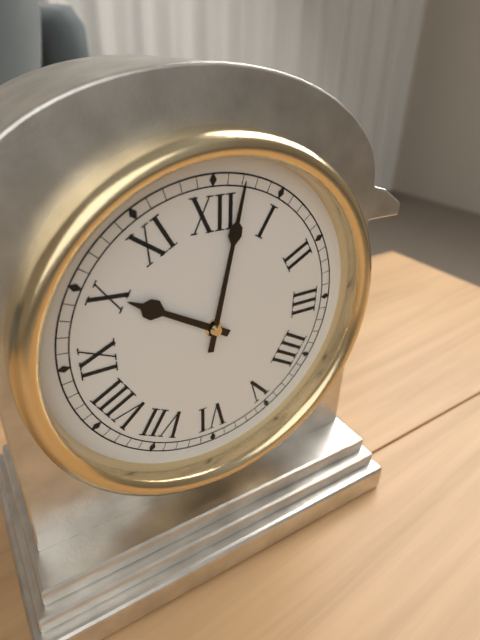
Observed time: 10:02
